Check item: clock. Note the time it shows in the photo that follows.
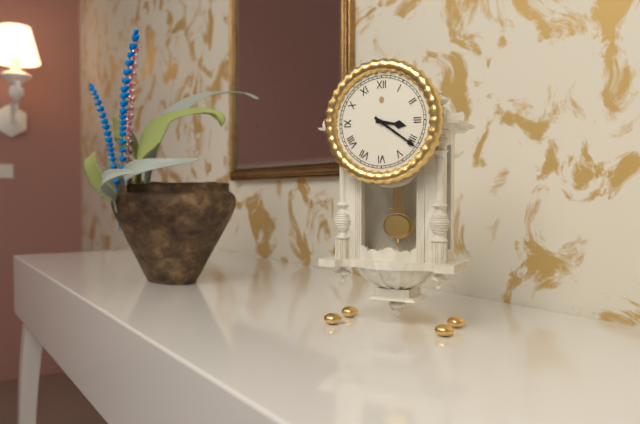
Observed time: 3:21
